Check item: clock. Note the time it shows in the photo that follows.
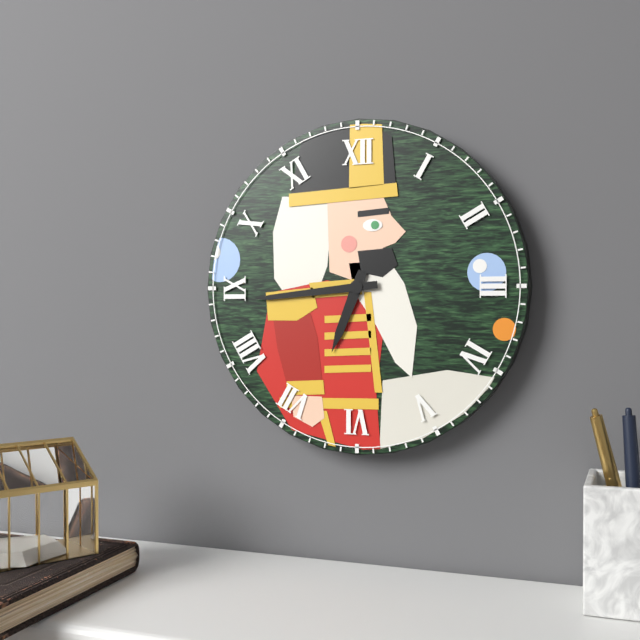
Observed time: 6:44
